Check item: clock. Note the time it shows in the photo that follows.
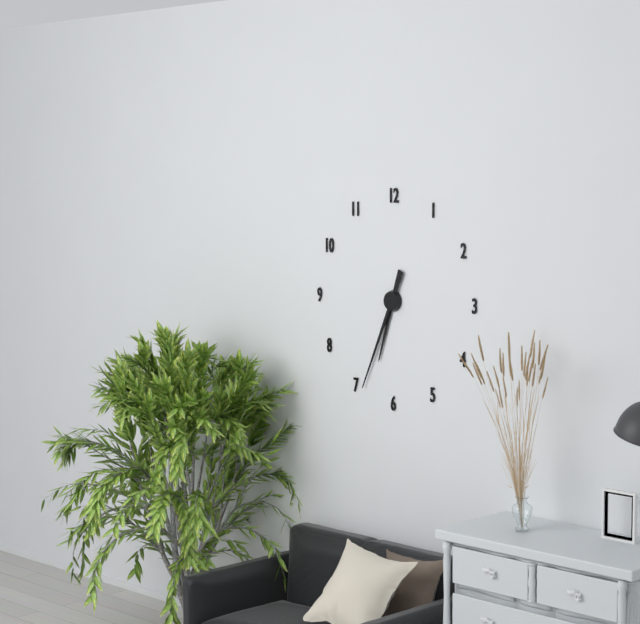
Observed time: 6:34
